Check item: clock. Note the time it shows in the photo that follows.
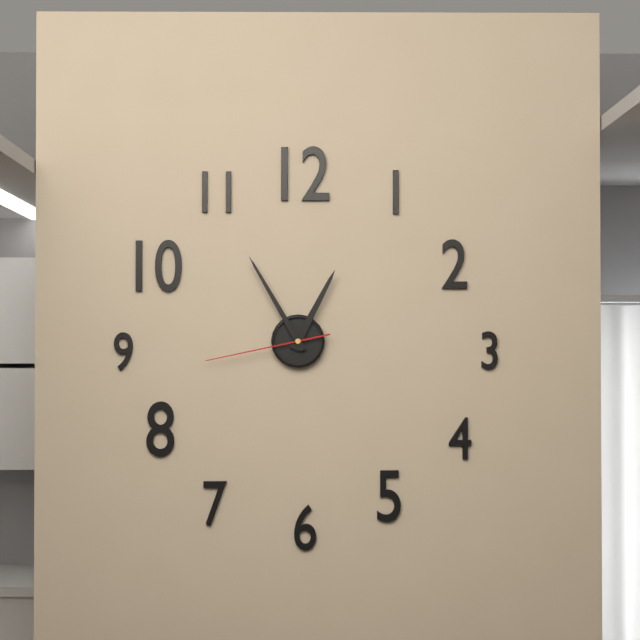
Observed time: 12:55:43
